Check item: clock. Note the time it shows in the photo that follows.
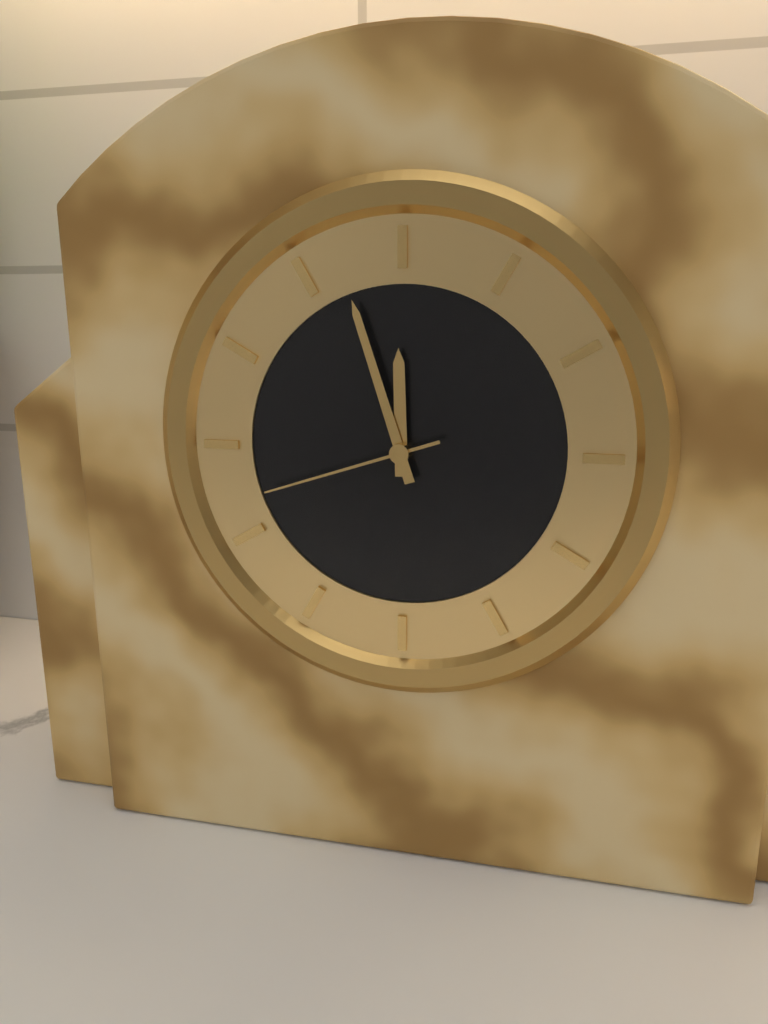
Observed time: 11:57:42
